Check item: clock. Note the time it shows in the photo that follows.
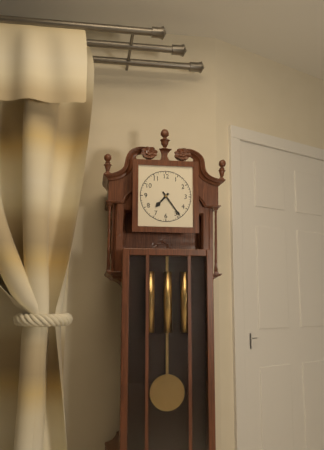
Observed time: 7:24
